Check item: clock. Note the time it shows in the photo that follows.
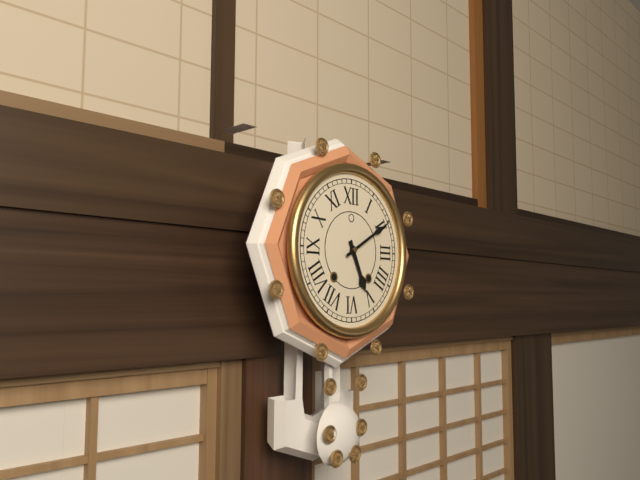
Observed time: 5:10
